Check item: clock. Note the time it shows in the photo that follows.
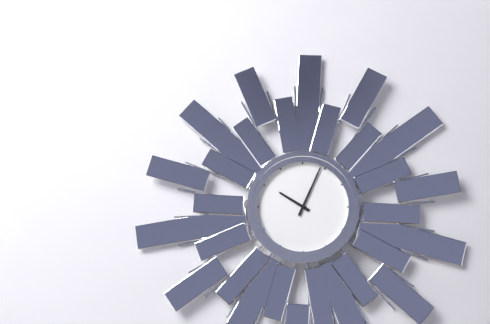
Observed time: 10:04
